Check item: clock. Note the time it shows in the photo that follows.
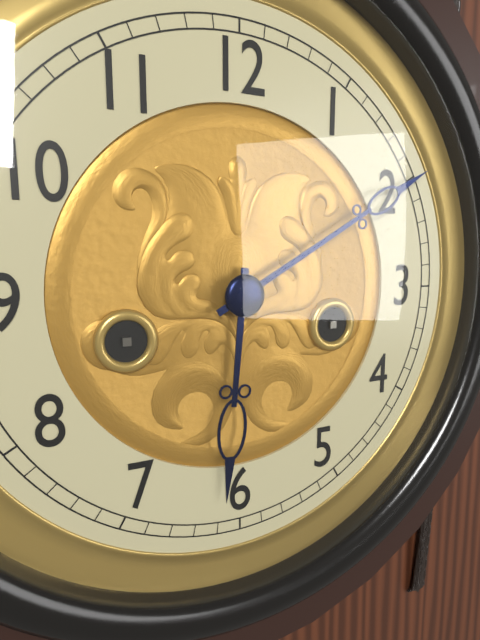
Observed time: 6:10
